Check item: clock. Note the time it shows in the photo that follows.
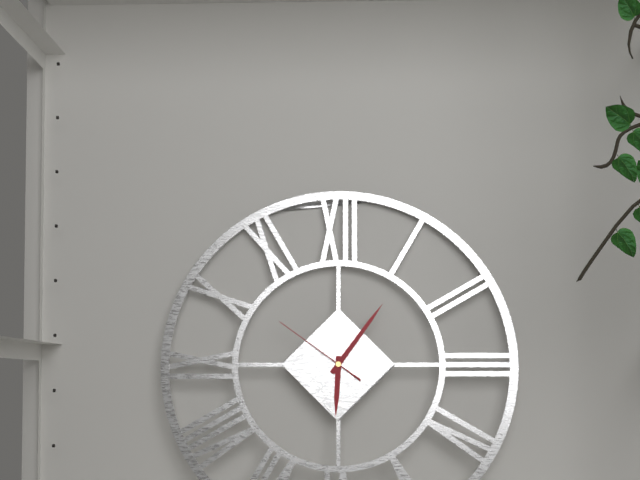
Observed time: 6:06:51
